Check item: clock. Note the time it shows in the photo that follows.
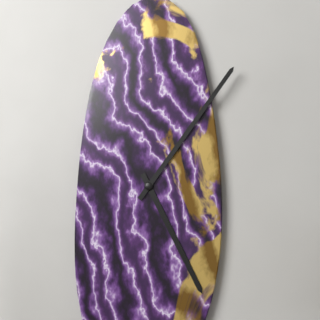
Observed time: 5:06
